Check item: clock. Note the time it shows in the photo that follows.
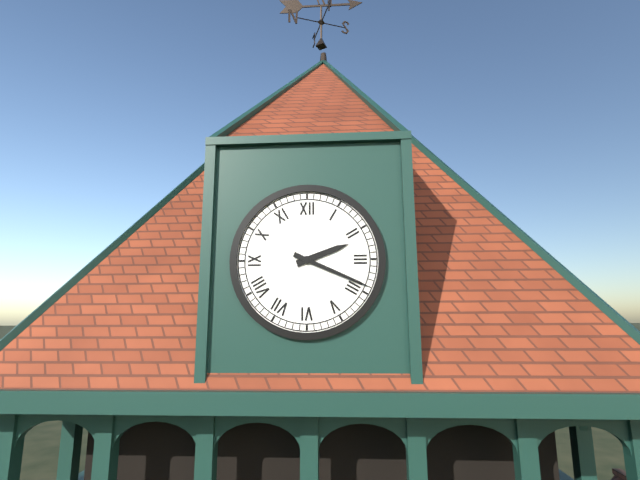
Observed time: 2:19
